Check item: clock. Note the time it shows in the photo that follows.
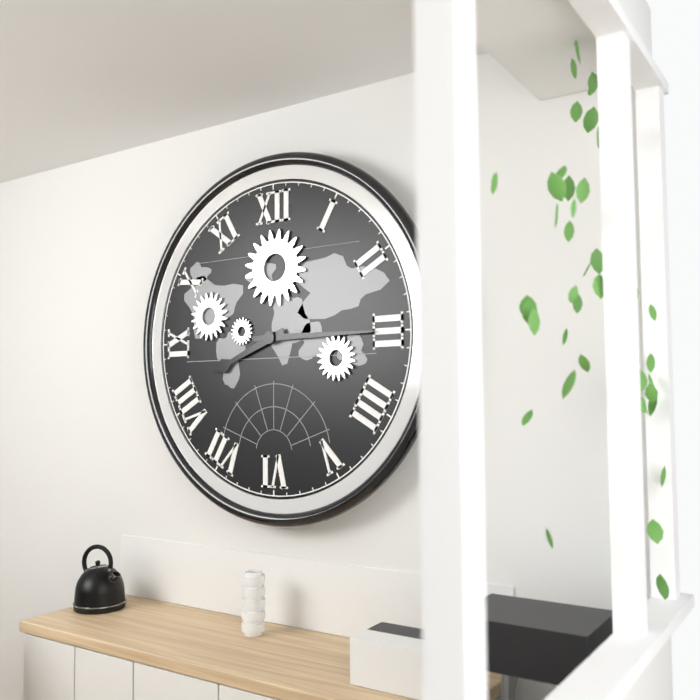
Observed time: 8:15
